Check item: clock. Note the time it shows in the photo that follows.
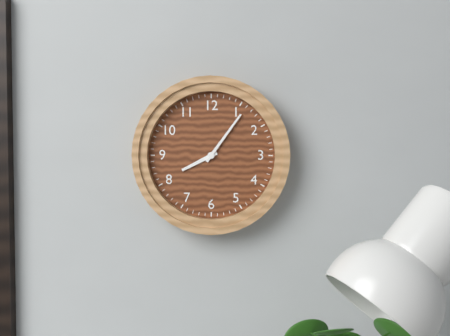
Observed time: 8:06
